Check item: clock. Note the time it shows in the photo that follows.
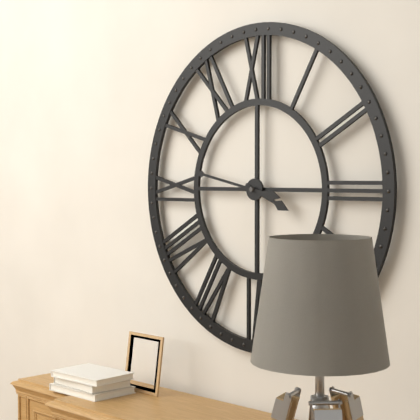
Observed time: 3:47
